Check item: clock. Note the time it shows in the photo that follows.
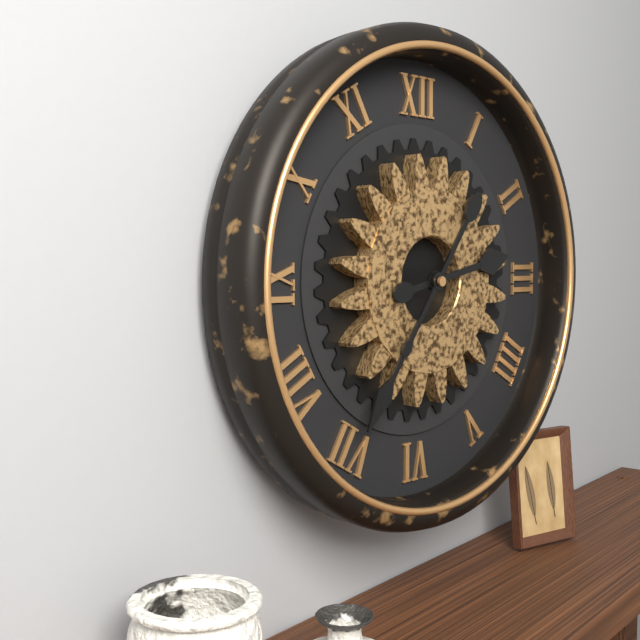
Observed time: 2:36
